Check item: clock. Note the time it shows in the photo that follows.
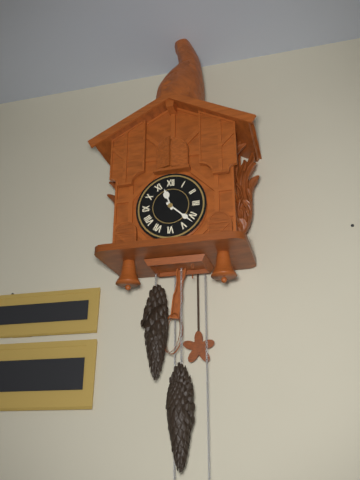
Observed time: 11:22
